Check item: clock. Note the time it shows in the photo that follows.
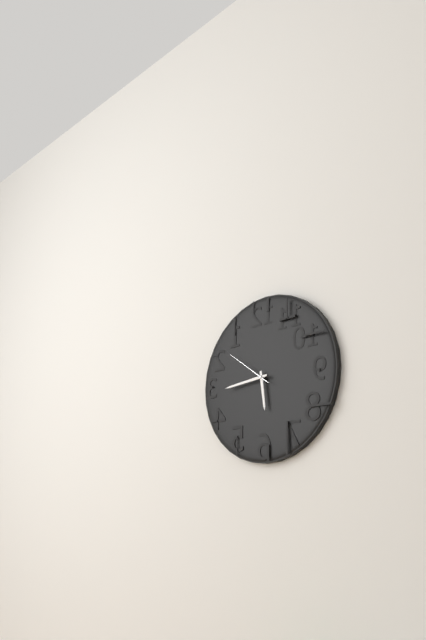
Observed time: 5:44:51
